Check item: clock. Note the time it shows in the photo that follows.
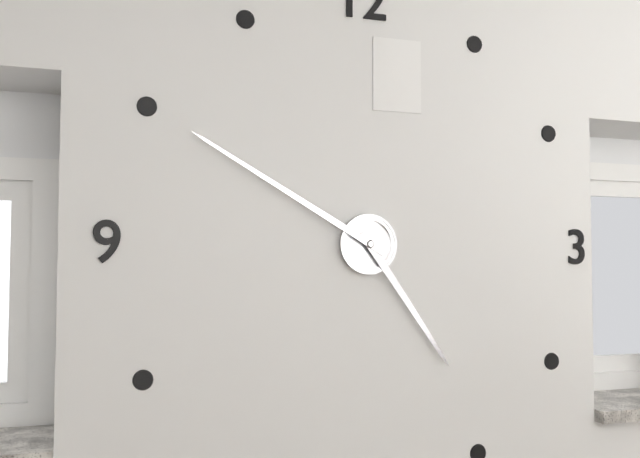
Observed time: 4:50
